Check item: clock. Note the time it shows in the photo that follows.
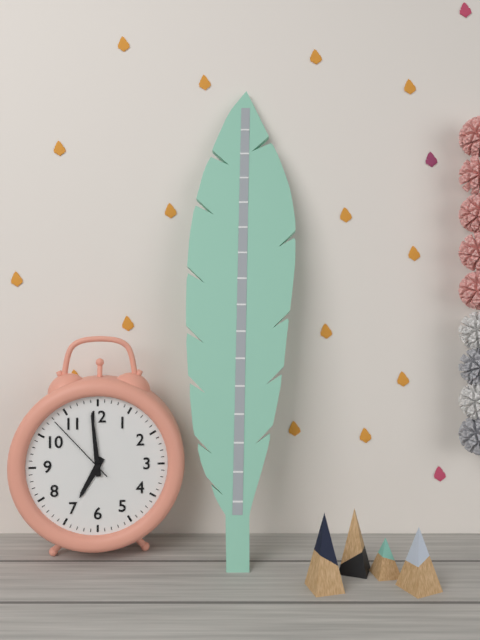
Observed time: 6:59:53
